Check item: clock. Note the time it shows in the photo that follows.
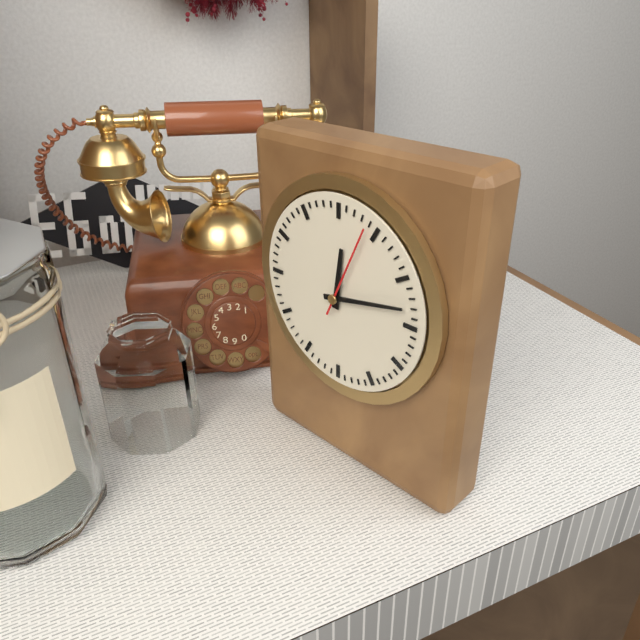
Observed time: 12:13:04
